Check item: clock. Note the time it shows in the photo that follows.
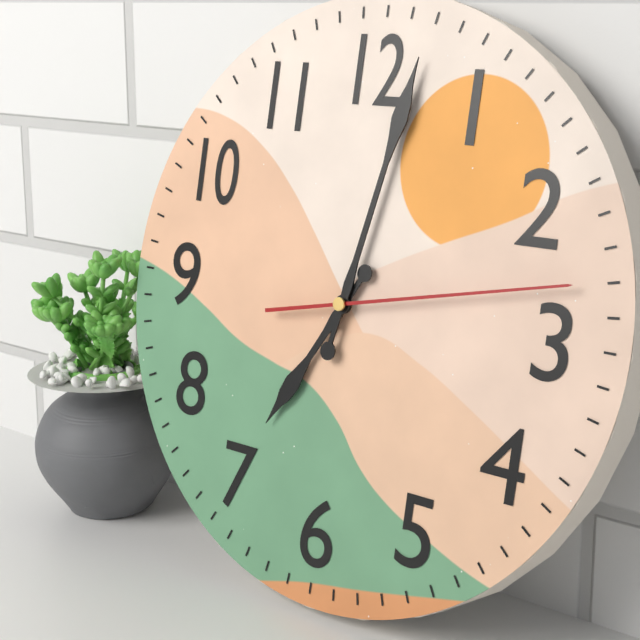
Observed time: 7:02:13
